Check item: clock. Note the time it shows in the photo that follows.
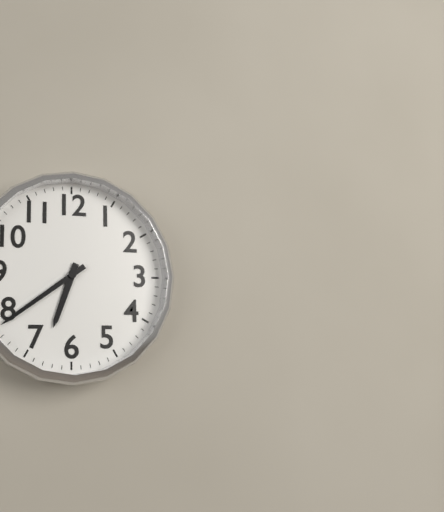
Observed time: 6:39
